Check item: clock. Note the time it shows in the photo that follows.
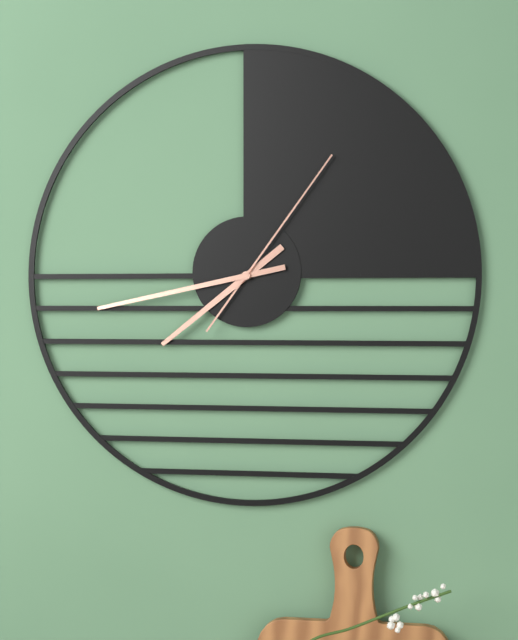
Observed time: 7:43:06
